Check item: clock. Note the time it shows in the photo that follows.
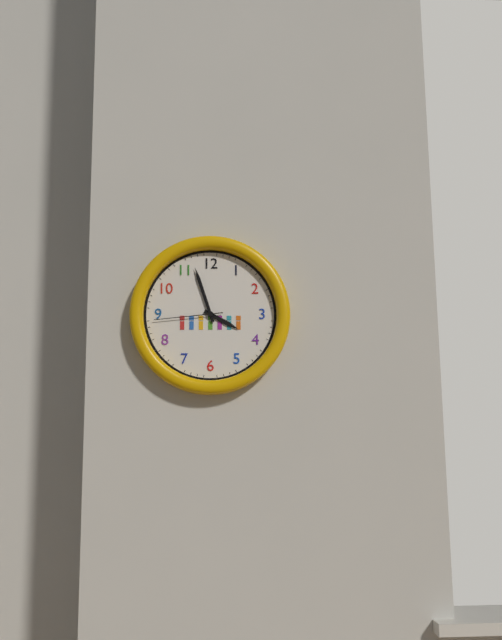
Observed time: 3:57:44
